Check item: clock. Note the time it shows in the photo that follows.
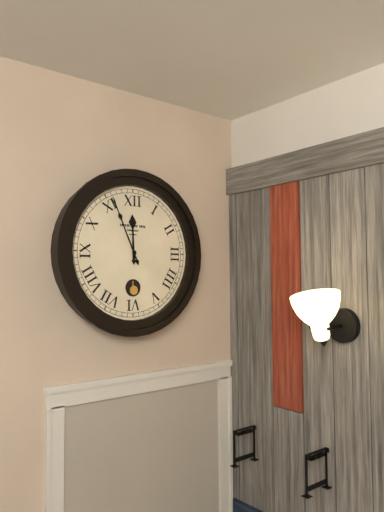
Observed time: 11:56
